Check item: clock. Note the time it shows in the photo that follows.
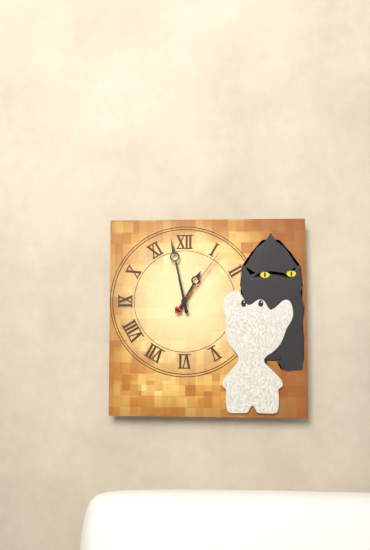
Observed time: 12:58:06
